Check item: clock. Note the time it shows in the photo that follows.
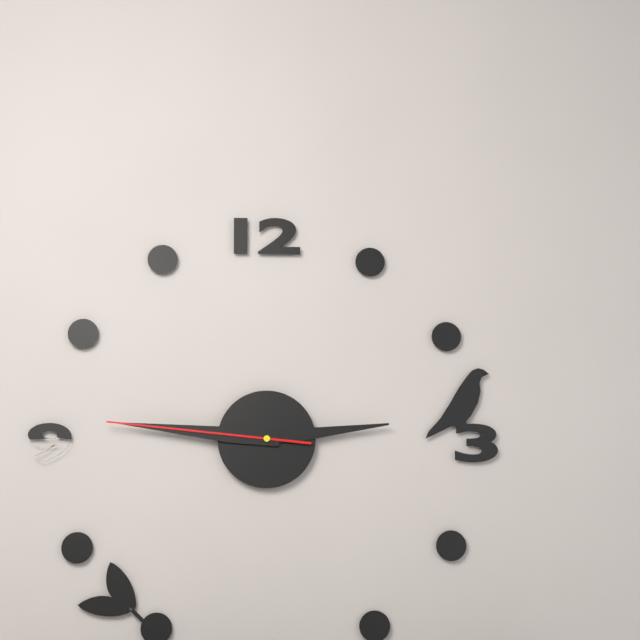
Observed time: 2:46:46
